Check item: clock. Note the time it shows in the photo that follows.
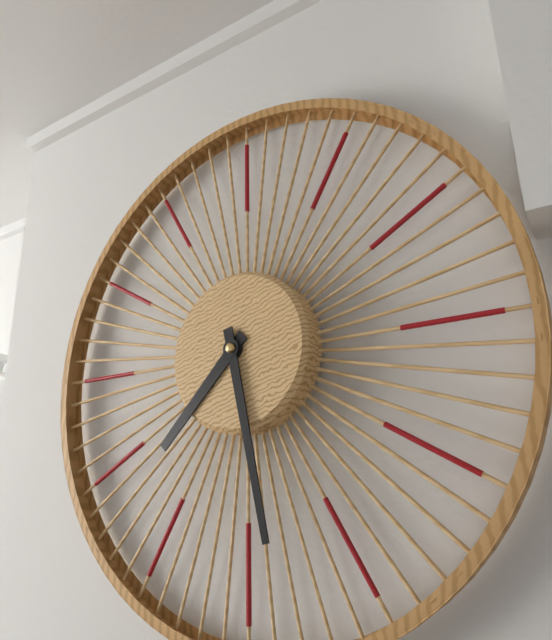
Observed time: 7:28
